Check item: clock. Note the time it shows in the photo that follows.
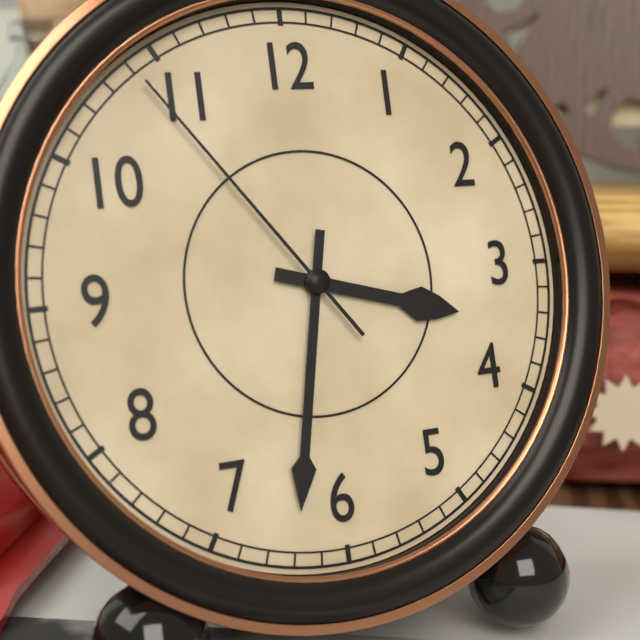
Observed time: 3:32:54
